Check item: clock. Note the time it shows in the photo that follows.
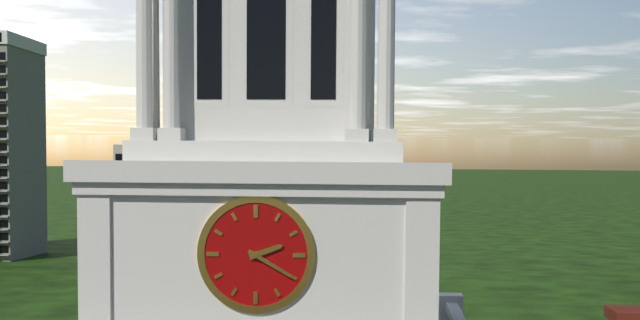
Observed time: 2:20
